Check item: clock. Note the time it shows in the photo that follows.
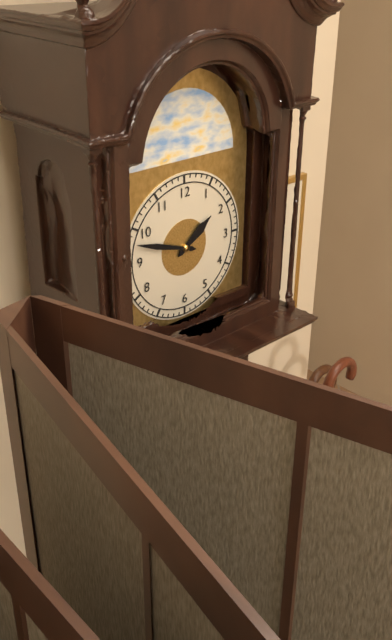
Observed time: 1:48
